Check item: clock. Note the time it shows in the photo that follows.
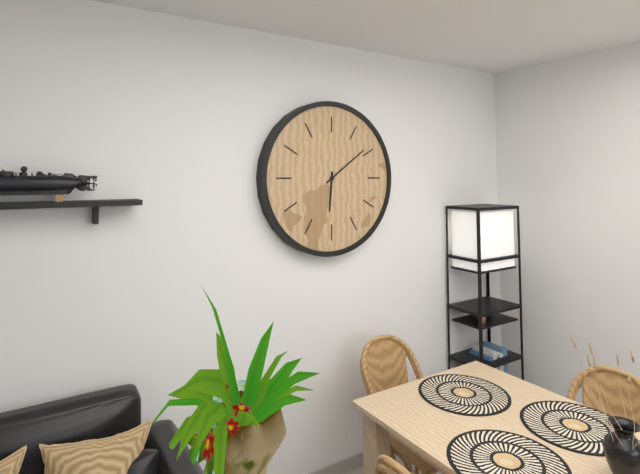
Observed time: 6:09
